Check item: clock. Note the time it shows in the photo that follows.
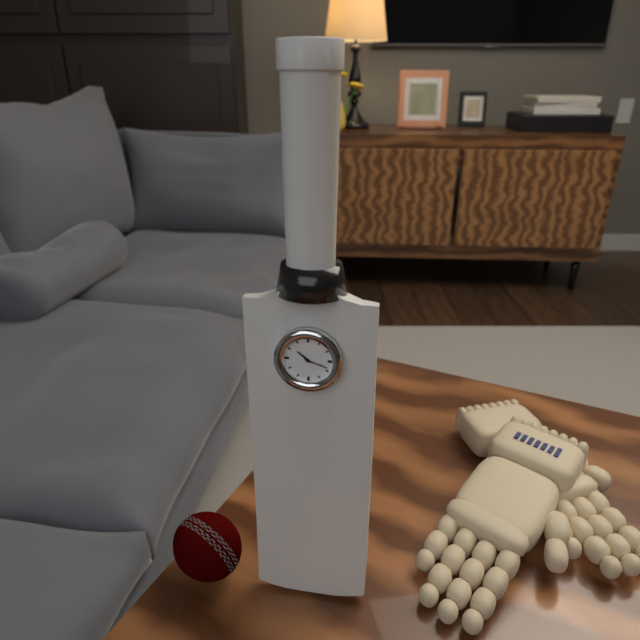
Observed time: 10:18
